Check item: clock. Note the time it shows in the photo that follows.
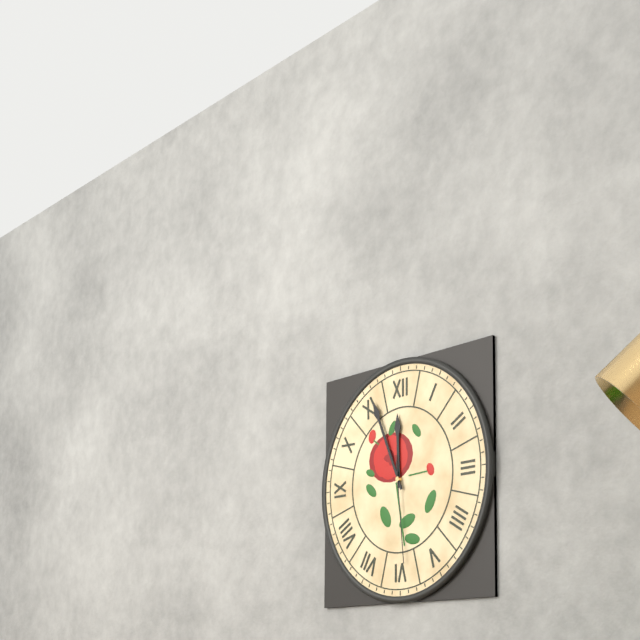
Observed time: 11:56:29
